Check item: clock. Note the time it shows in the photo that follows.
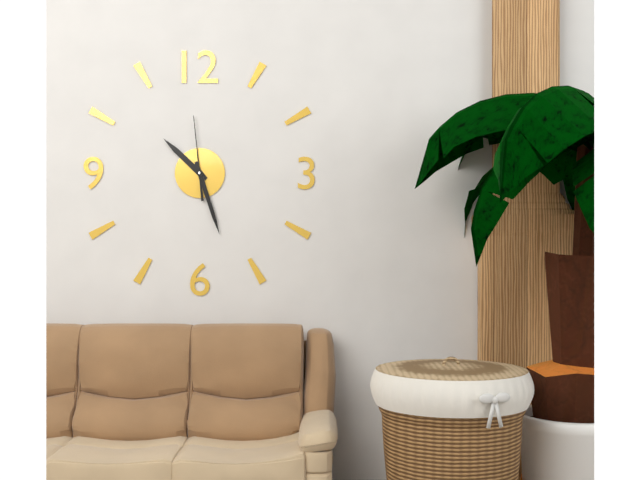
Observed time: 10:27:59
